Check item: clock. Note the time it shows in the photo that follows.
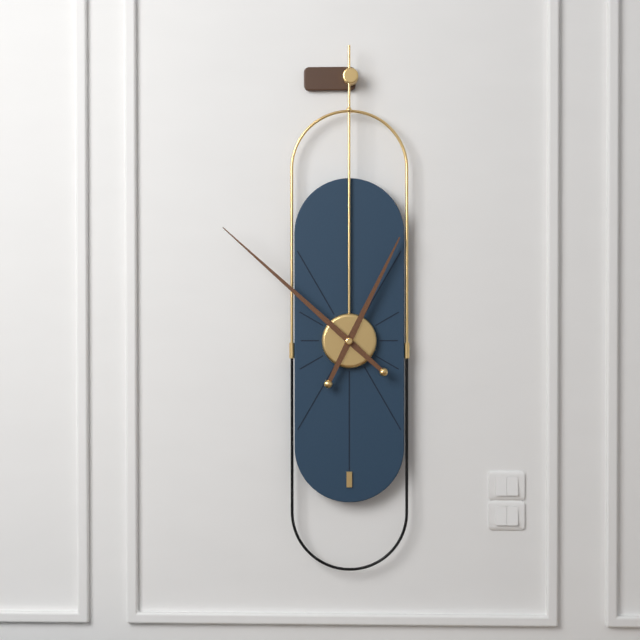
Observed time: 12:52
